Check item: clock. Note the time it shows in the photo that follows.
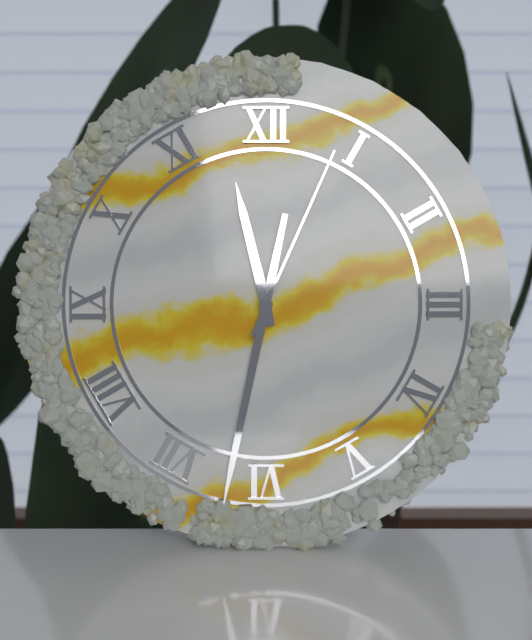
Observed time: 11:32:04
